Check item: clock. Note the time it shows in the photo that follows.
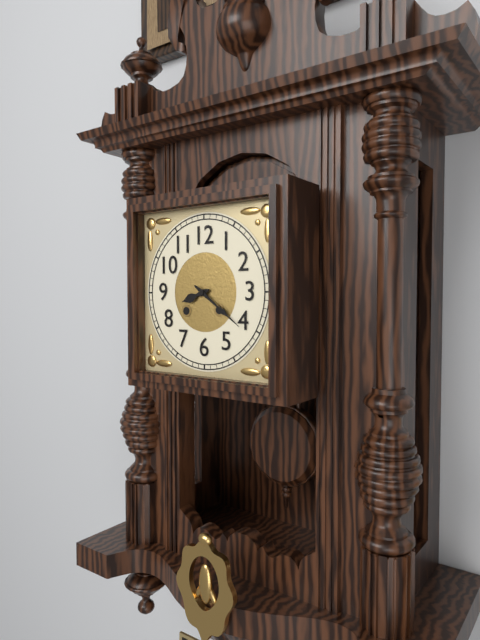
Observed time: 8:21
